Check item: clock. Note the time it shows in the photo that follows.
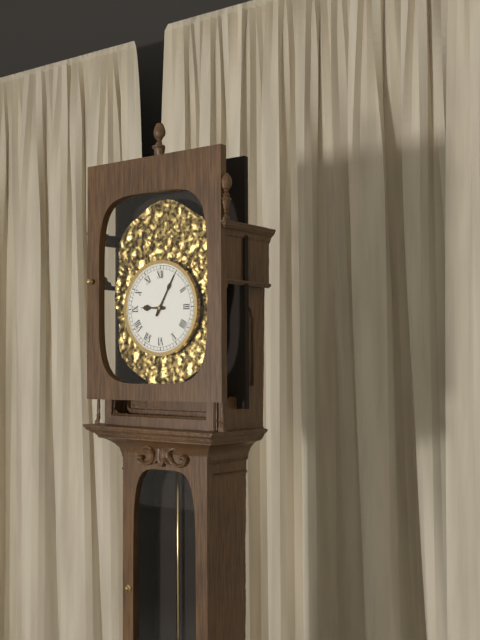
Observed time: 9:05
